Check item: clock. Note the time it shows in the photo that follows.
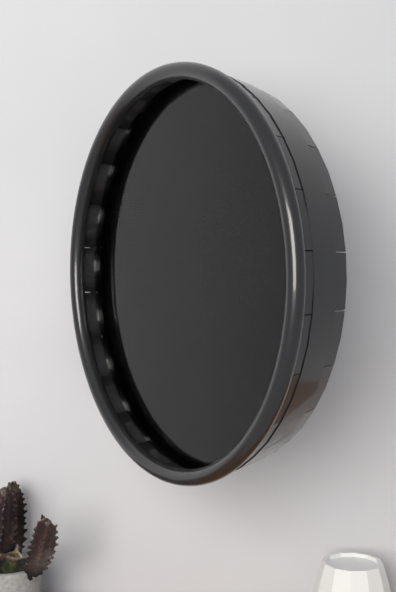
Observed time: 2:17
